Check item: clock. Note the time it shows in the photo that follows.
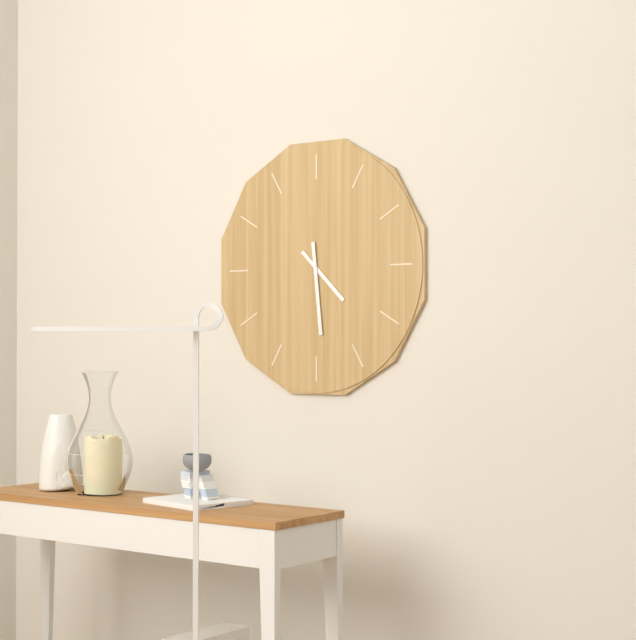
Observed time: 4:29
